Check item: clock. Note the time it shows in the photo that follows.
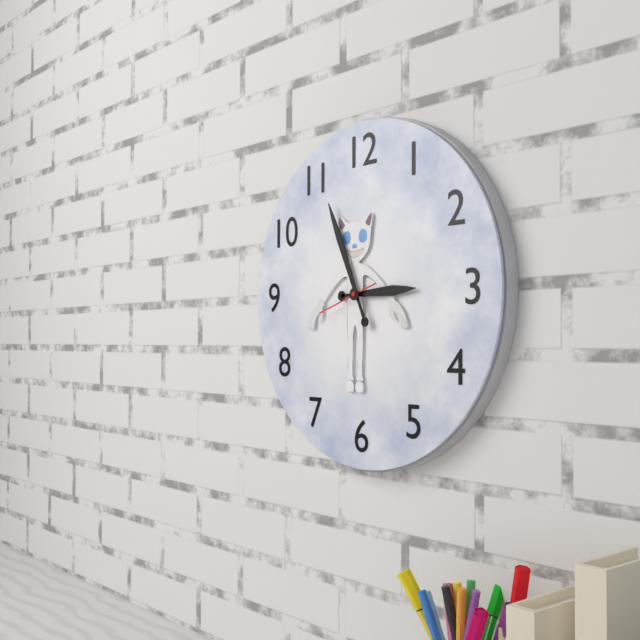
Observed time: 2:56:42
